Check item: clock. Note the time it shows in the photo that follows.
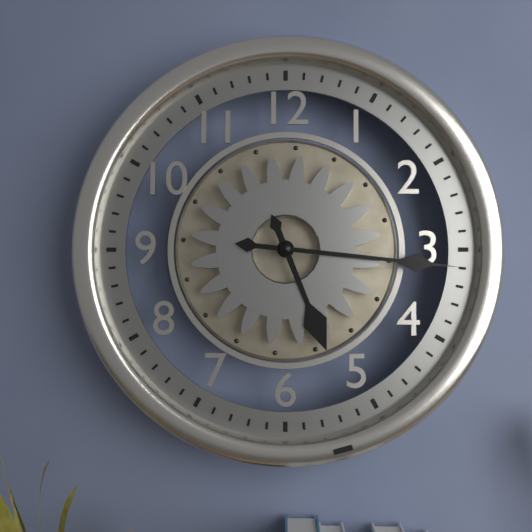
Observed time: 5:16
